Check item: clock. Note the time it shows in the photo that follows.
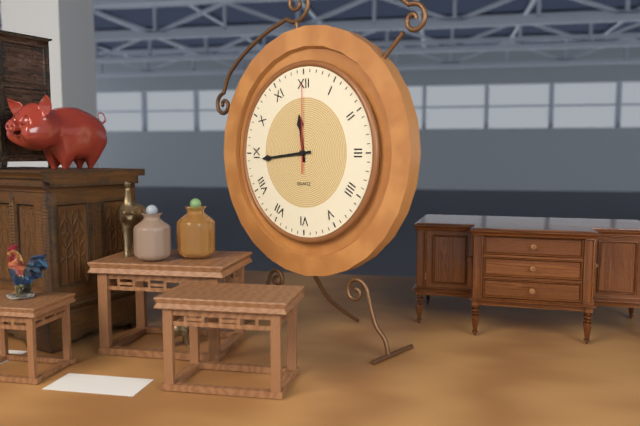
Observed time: 11:44:00
